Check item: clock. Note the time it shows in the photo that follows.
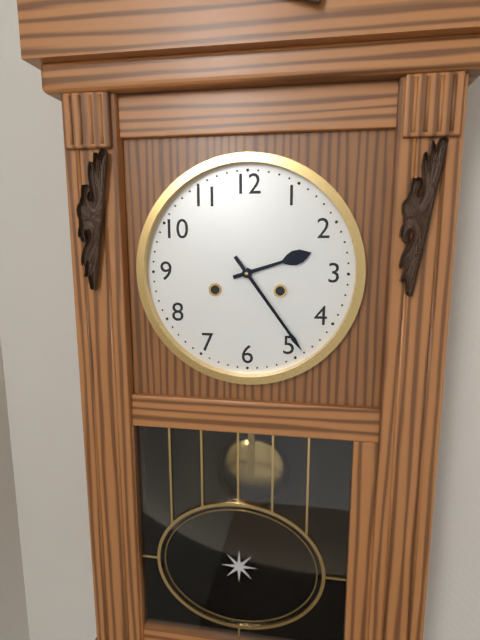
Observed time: 2:24
